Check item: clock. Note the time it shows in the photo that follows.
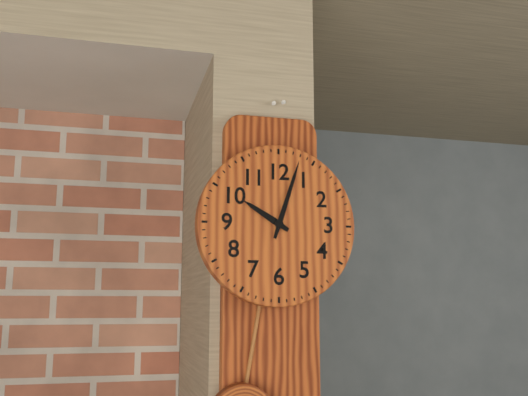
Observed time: 10:03
